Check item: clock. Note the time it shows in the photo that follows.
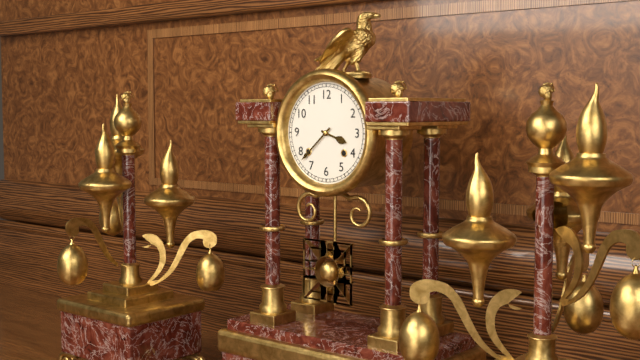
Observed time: 3:38
